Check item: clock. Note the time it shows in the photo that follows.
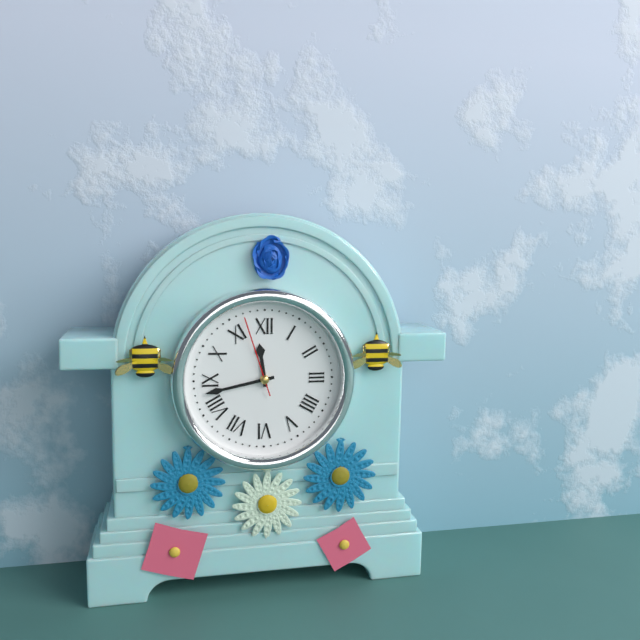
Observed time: 11:43:57
